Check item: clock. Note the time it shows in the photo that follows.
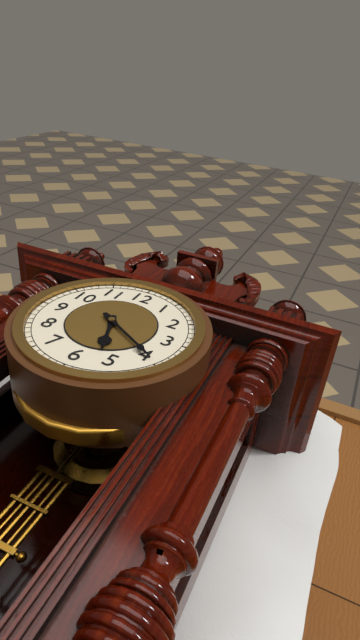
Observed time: 5:20
